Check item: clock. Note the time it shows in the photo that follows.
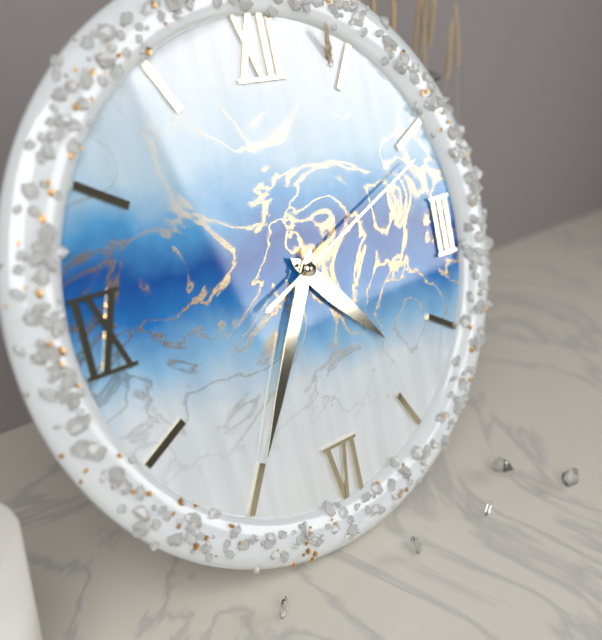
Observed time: 4:35:11
